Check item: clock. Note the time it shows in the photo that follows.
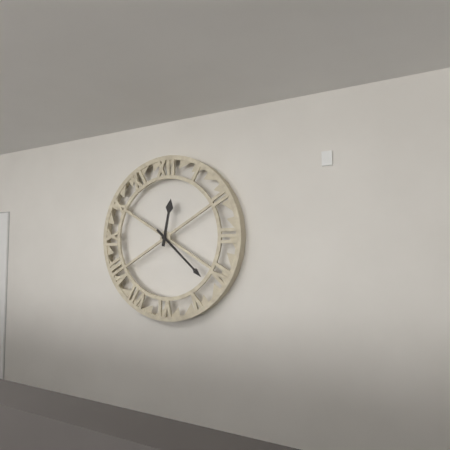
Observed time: 12:22
